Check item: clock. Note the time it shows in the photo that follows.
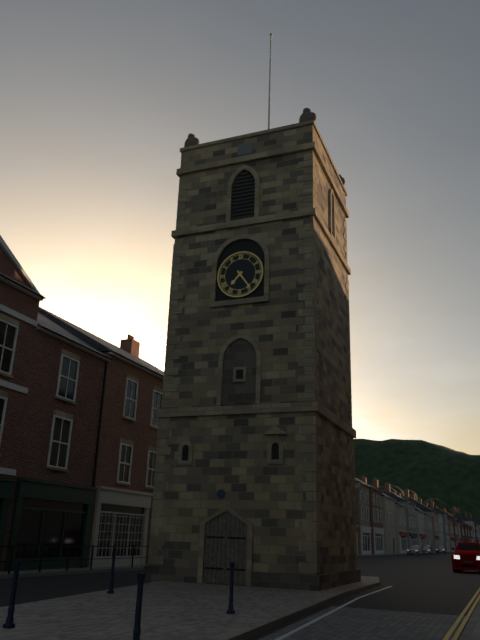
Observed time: 7:24
